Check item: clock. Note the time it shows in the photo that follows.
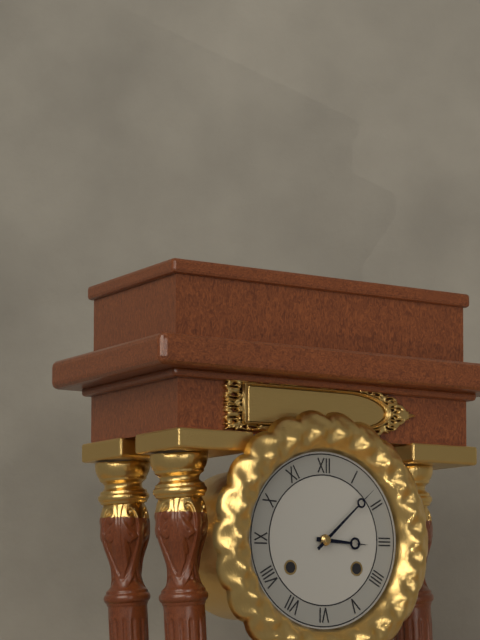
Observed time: 3:08
